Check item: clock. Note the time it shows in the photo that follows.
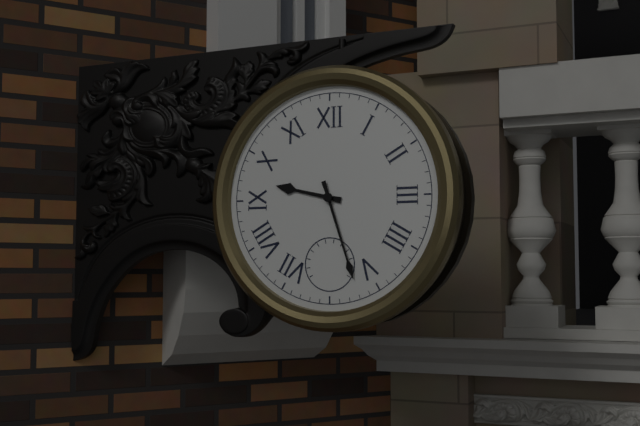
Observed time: 9:27
